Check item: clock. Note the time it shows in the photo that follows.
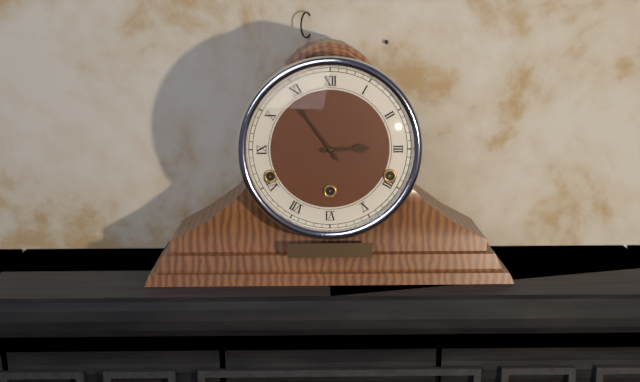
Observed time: 2:54
